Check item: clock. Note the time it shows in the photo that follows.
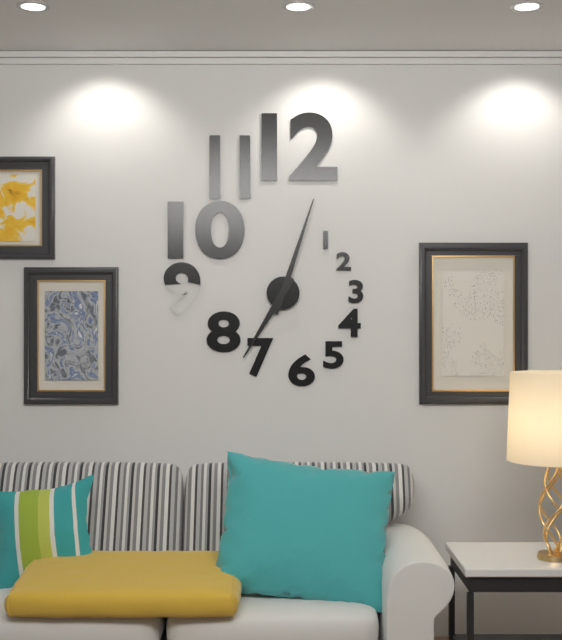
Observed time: 7:03
